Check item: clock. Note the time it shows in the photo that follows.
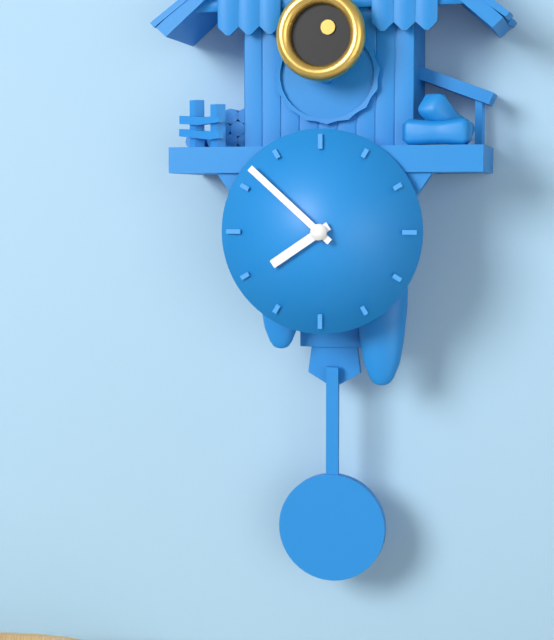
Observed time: 7:52
